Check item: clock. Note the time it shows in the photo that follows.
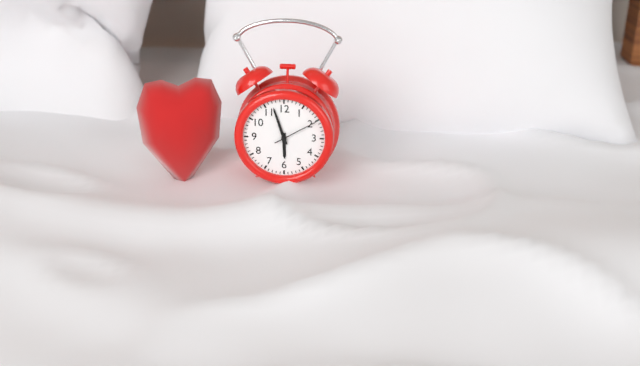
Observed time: 5:57
